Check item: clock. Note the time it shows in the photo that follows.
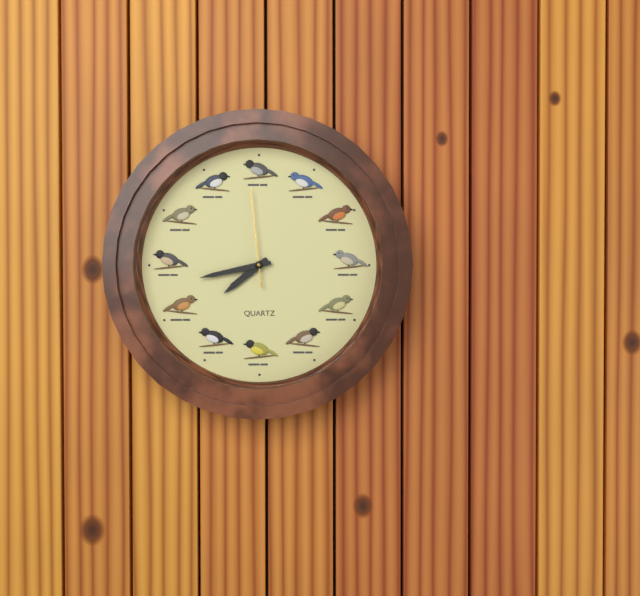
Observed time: 7:43:59
